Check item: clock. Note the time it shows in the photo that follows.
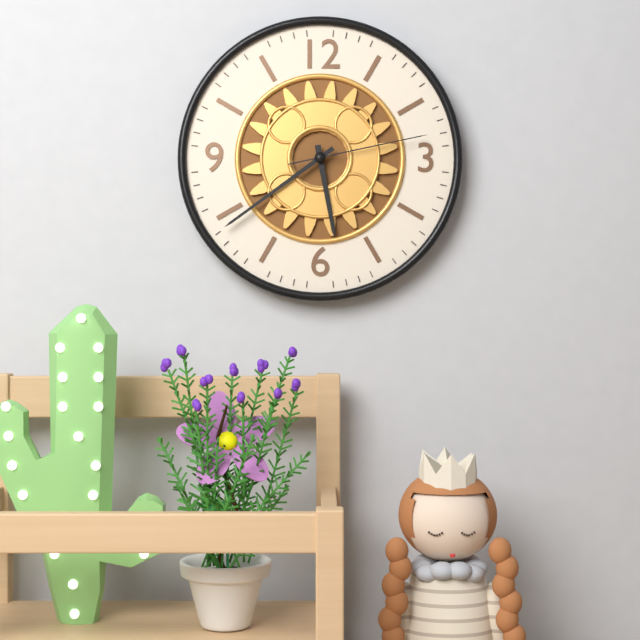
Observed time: 5:39:13
